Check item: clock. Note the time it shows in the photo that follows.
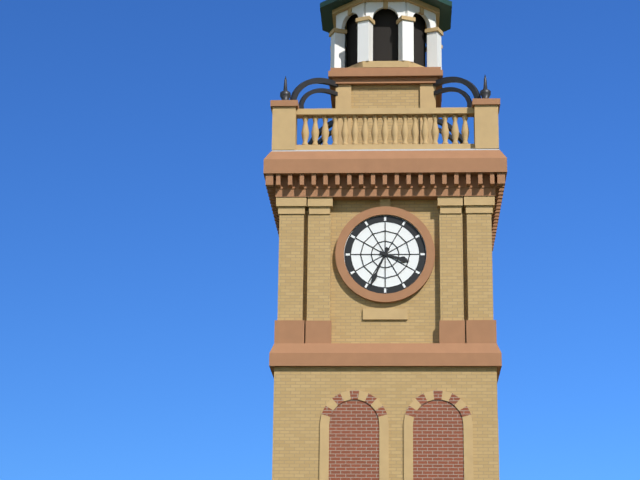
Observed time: 3:34
